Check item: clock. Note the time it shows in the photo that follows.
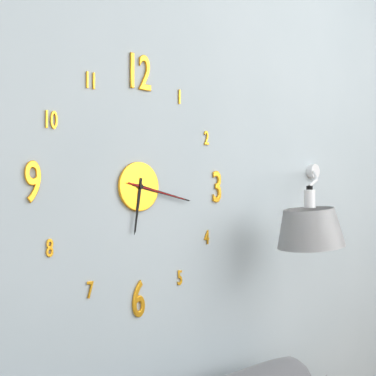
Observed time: 6:17:17
